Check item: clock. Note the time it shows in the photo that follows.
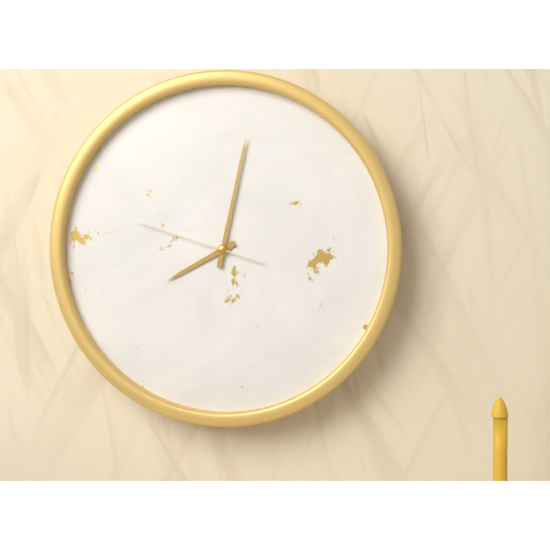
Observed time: 8:02:48
